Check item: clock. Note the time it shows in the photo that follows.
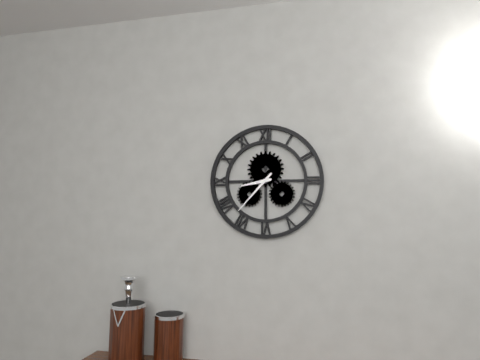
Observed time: 8:37
